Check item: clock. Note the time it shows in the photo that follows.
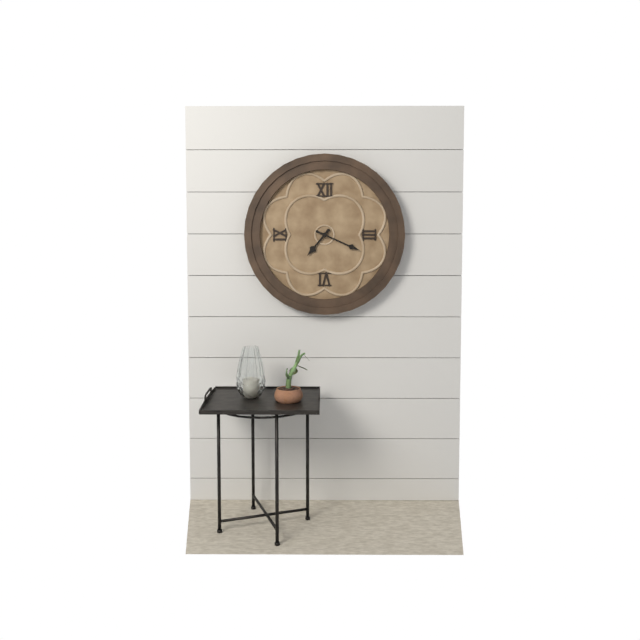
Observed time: 7:19
